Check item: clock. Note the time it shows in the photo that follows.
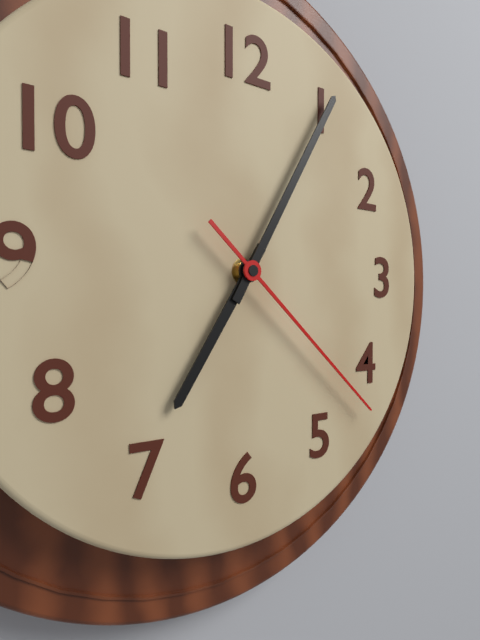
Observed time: 7:05:22
